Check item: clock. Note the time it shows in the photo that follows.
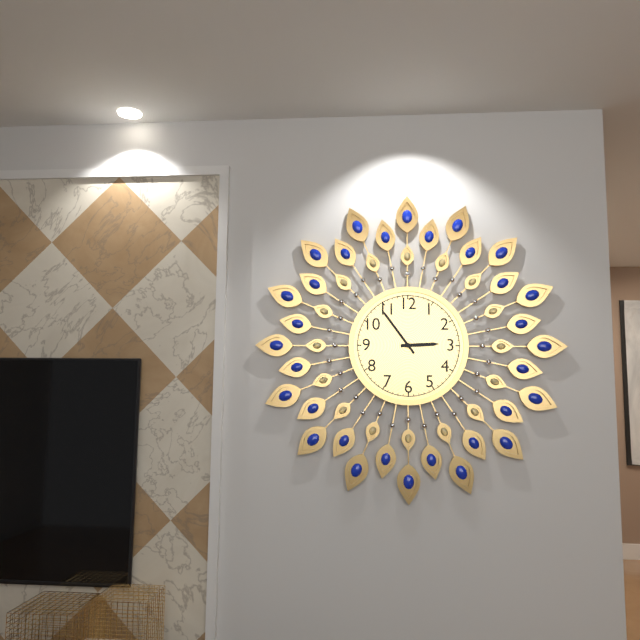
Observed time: 2:54
